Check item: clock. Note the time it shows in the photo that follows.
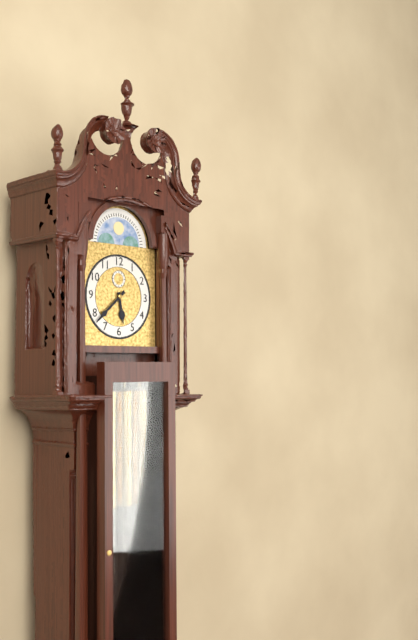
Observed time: 5:38
